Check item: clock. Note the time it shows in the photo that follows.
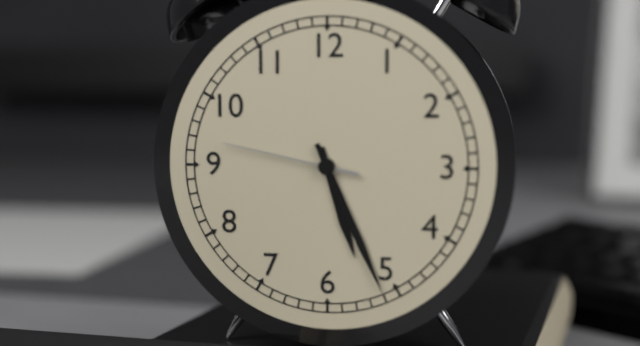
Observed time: 5:26:47
